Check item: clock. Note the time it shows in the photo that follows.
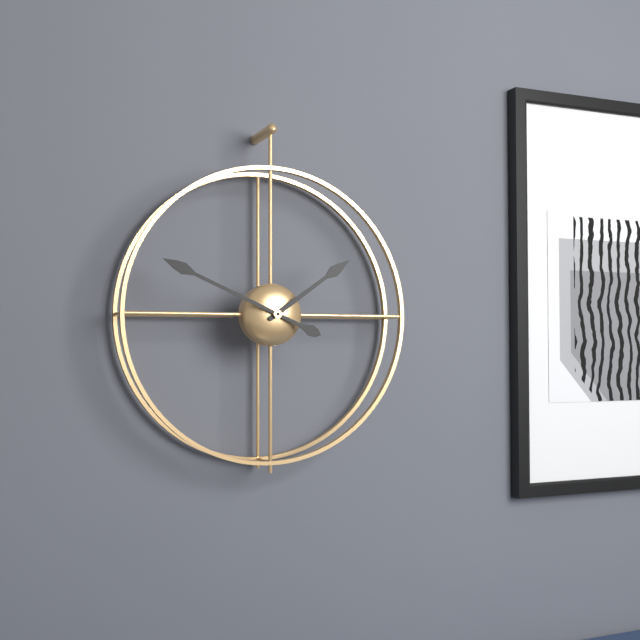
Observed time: 1:49
